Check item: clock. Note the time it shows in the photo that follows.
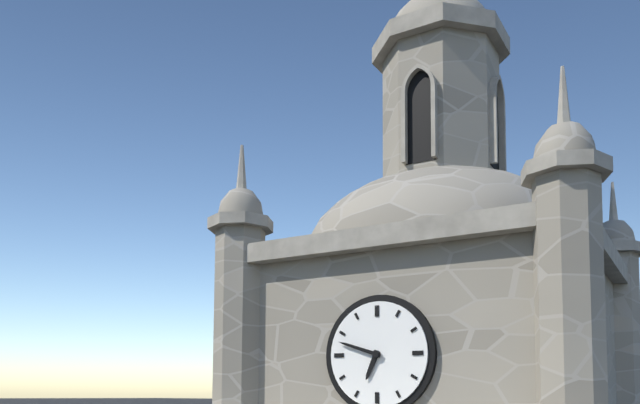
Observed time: 6:48
